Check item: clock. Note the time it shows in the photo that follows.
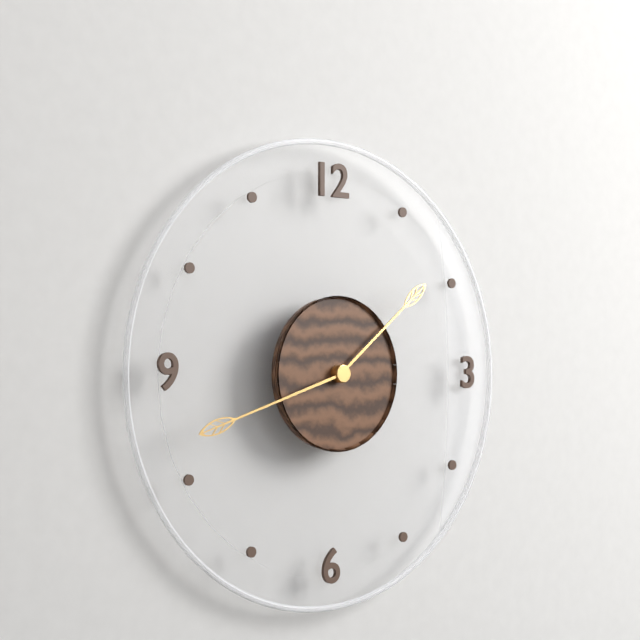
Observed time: 1:42
